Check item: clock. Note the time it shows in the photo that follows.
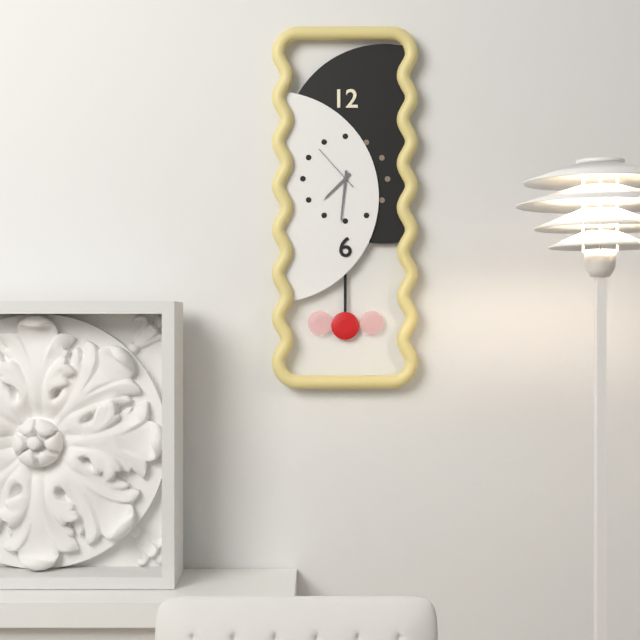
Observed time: 7:31
